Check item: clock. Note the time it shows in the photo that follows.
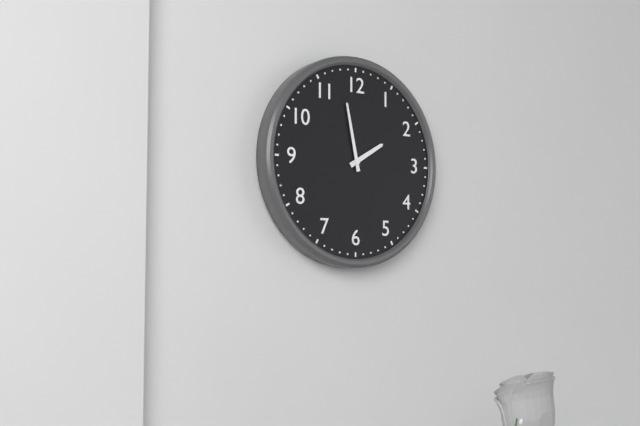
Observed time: 1:58
